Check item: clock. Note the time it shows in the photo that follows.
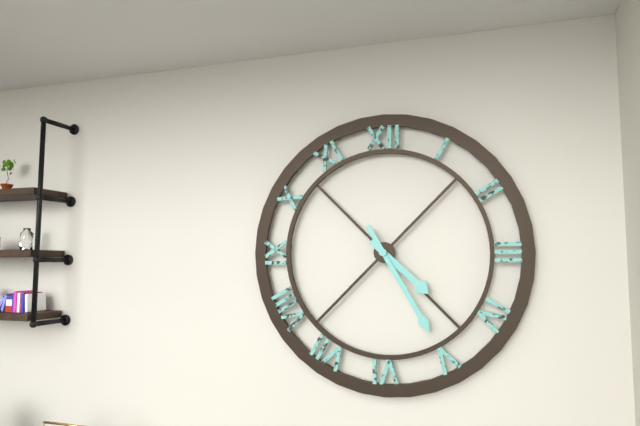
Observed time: 4:25
